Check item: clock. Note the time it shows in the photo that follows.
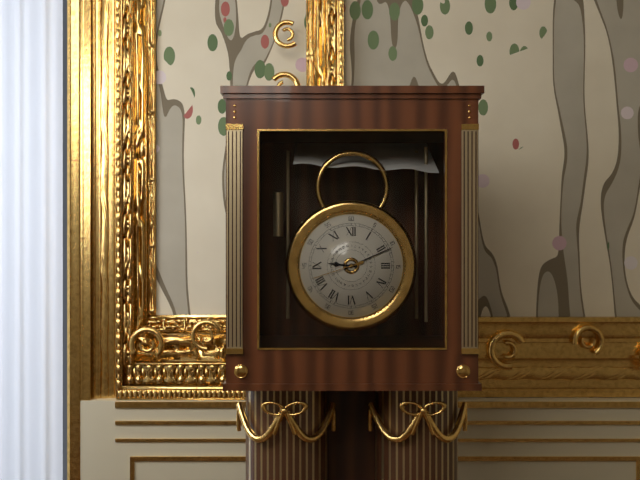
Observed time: 9:11:42
